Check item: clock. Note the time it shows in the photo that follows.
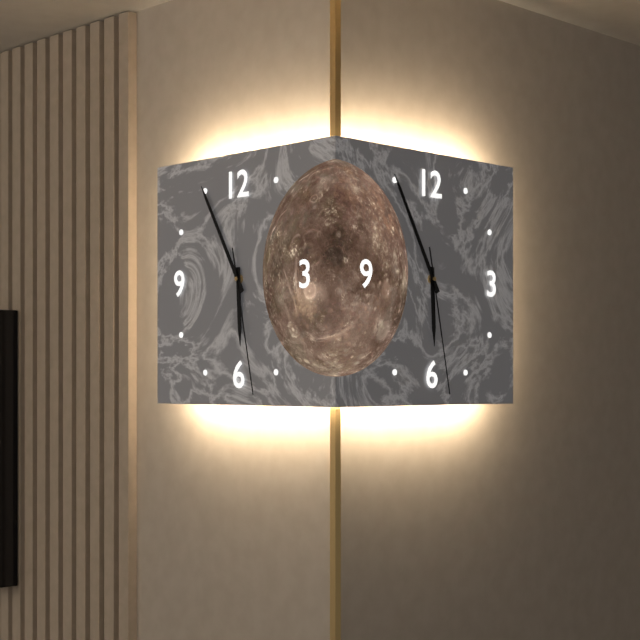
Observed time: 5:55:28
